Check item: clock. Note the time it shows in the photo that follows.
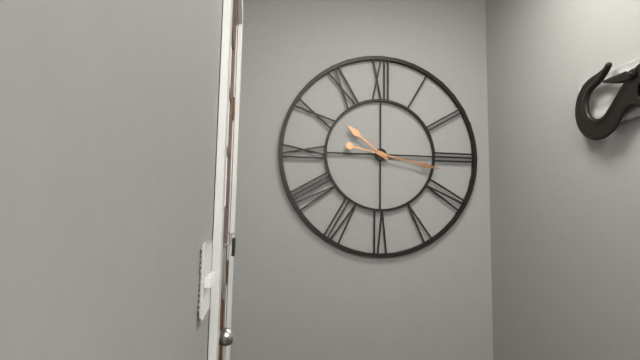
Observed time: 10:17
